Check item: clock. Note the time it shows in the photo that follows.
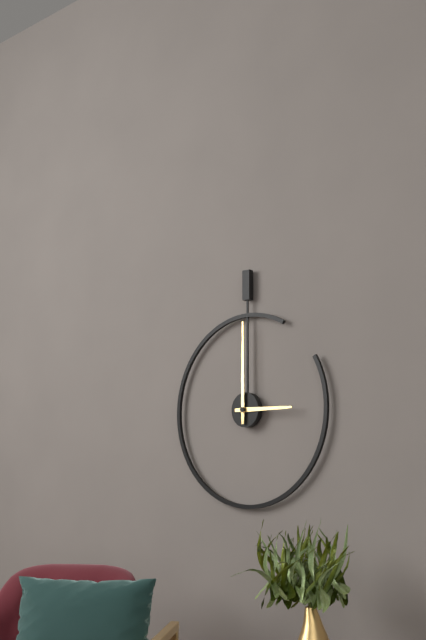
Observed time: 3:00
